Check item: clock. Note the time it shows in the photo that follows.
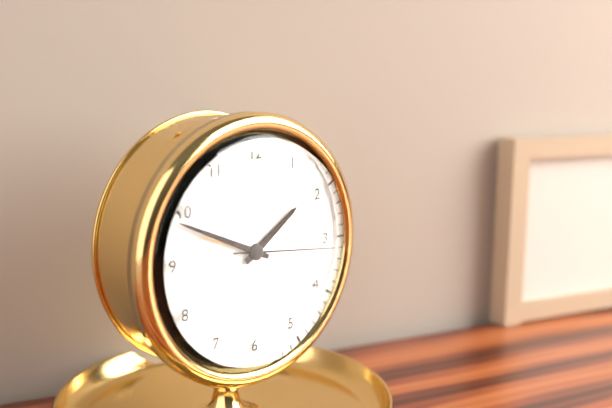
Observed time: 1:49:16
